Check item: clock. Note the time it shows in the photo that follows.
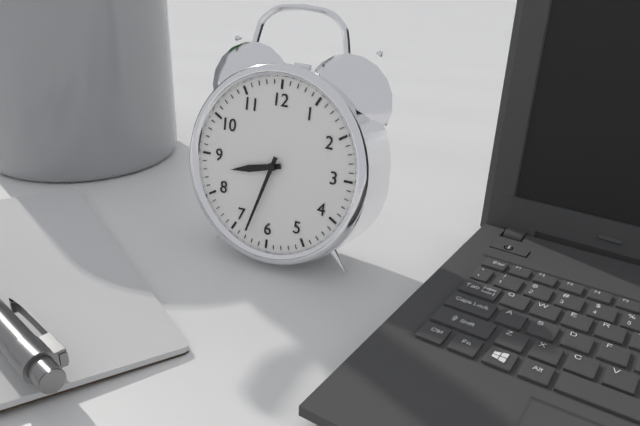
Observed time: 8:33
